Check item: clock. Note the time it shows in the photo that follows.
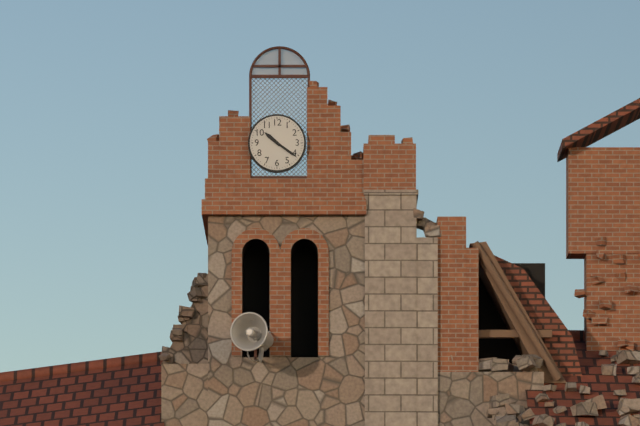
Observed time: 10:21
